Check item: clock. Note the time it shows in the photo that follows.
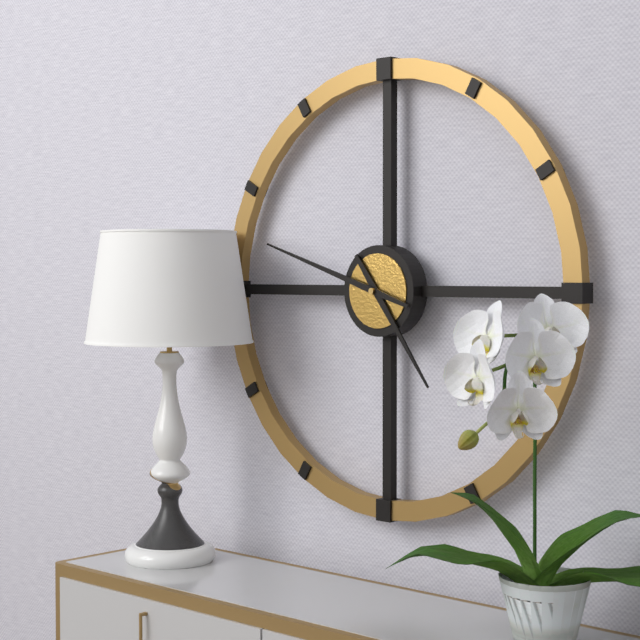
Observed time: 4:48
